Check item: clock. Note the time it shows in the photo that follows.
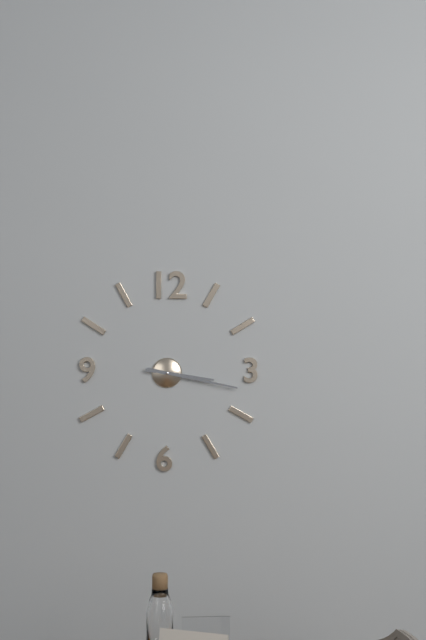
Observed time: 3:17
